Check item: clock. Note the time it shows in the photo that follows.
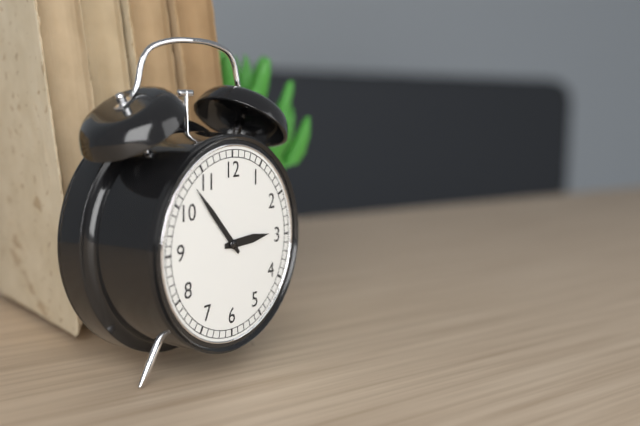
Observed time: 2:53
